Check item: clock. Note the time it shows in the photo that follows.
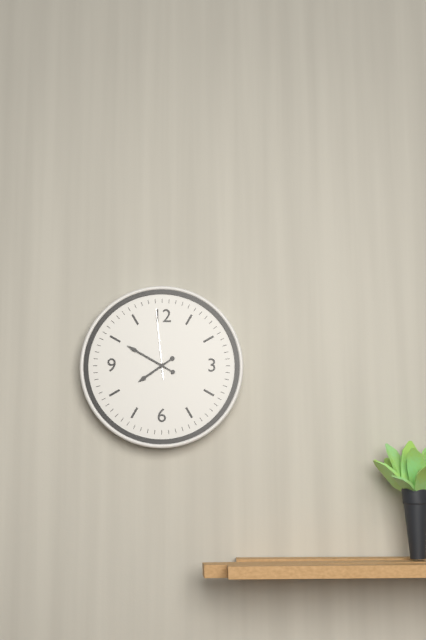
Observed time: 7:50:59
